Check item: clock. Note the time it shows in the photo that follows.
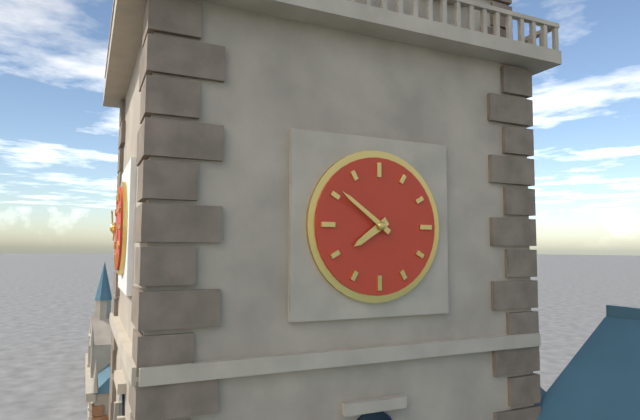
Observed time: 7:51
